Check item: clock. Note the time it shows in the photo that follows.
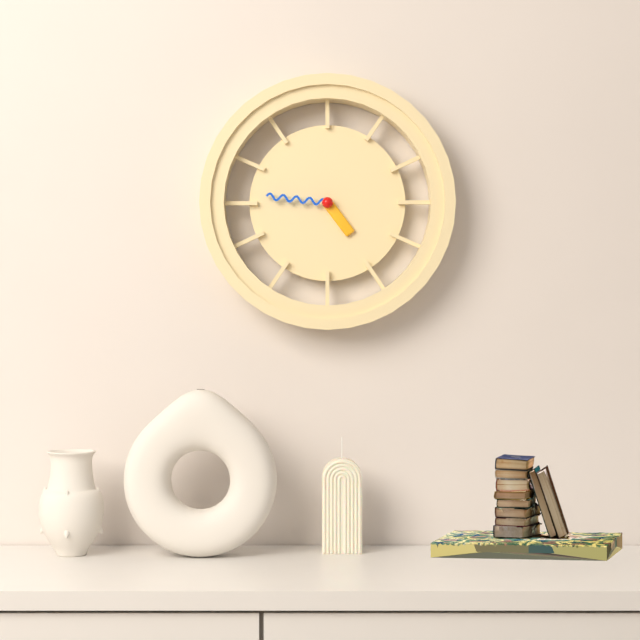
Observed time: 4:46
